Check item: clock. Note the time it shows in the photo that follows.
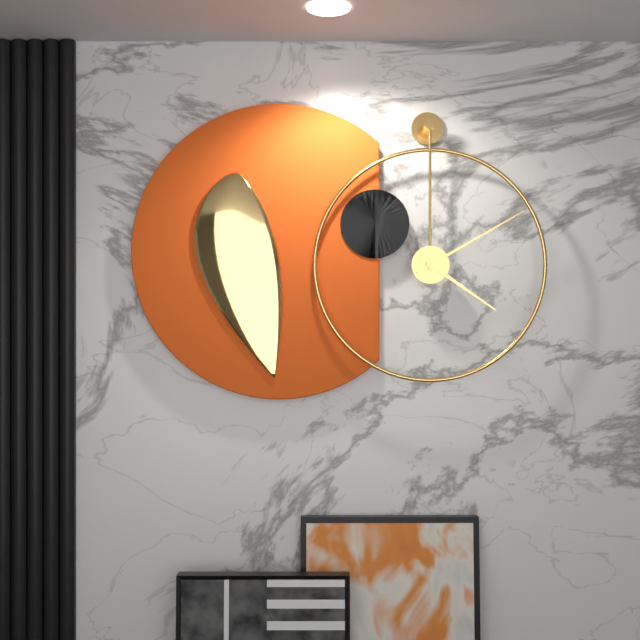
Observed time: 4:10
